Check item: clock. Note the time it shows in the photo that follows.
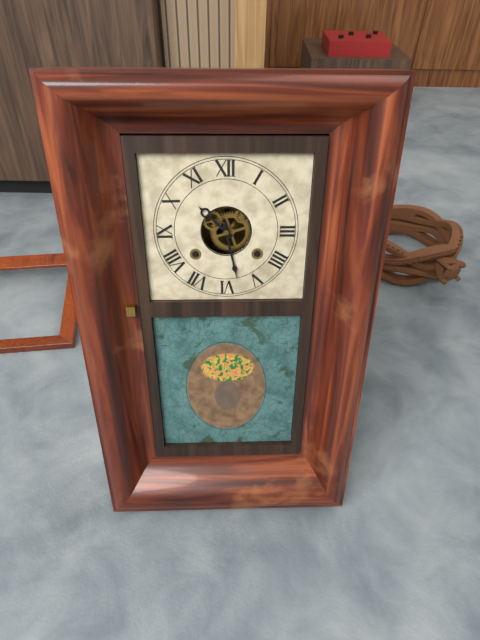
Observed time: 10:28
